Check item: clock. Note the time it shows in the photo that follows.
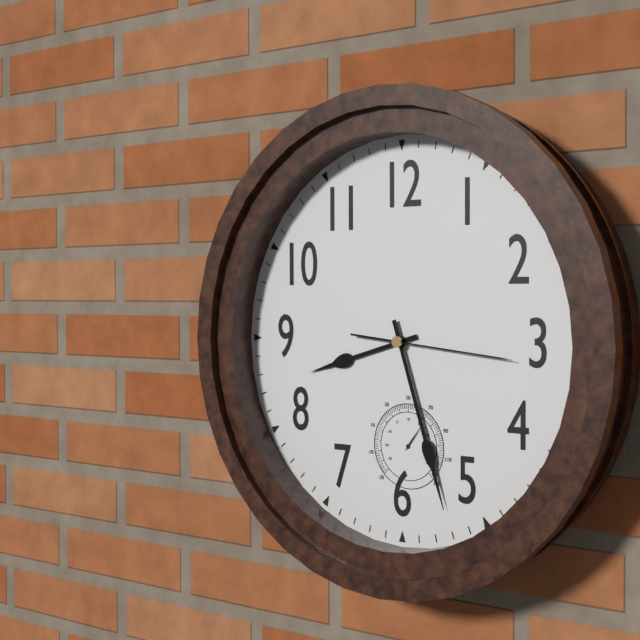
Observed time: 8:27:16
